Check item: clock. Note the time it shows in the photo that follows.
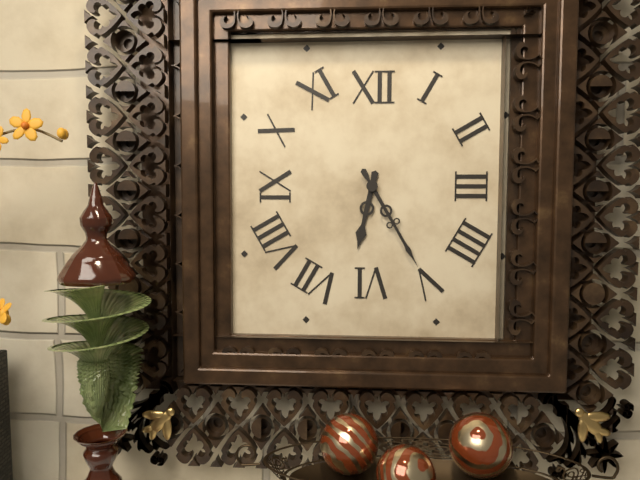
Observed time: 6:25
